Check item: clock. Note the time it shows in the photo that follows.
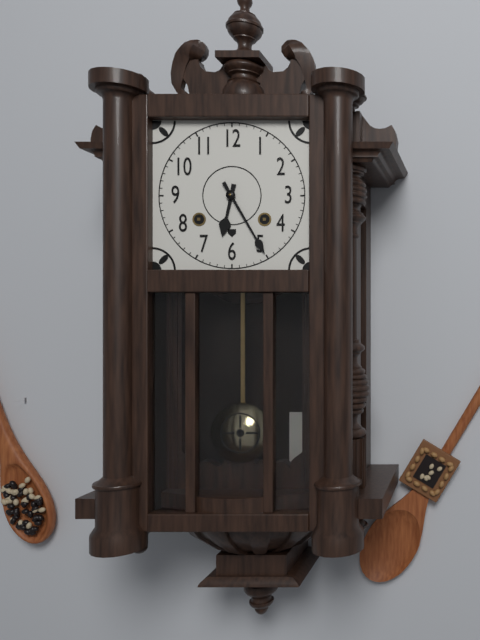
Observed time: 6:25
